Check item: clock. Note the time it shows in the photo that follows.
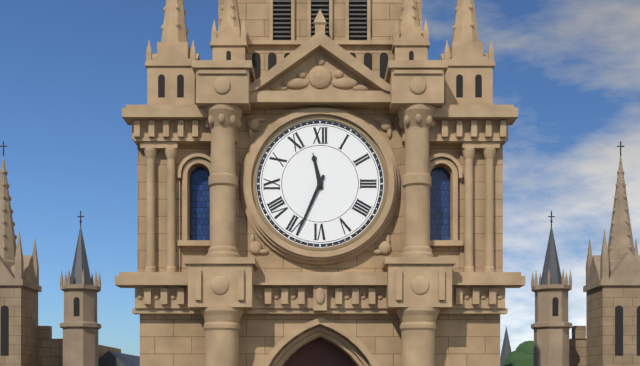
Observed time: 11:34
